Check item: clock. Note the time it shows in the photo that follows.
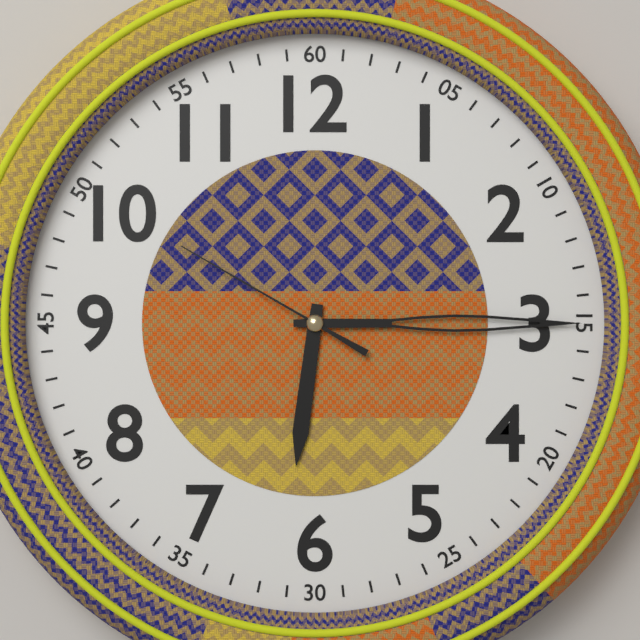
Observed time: 6:15:50
